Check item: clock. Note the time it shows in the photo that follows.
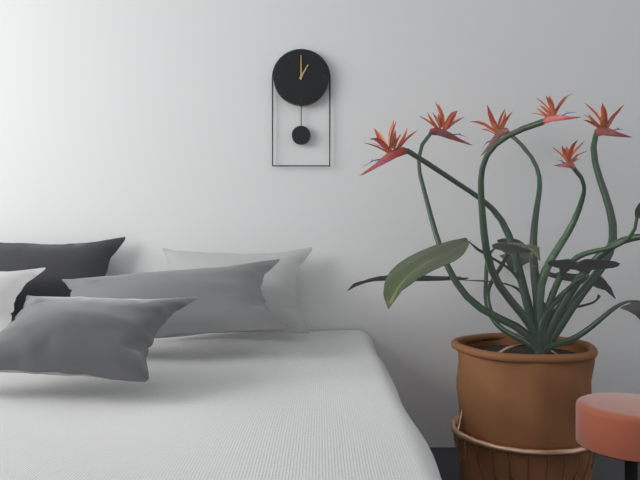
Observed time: 1:00
